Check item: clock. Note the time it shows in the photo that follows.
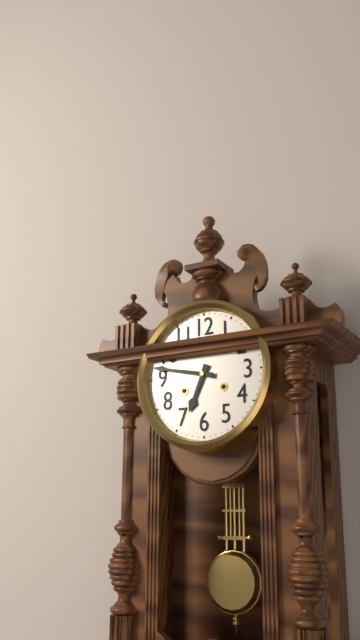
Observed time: 6:47
